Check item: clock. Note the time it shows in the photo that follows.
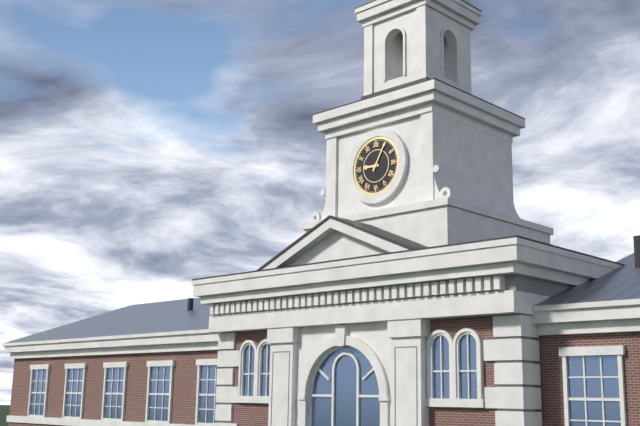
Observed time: 9:05
